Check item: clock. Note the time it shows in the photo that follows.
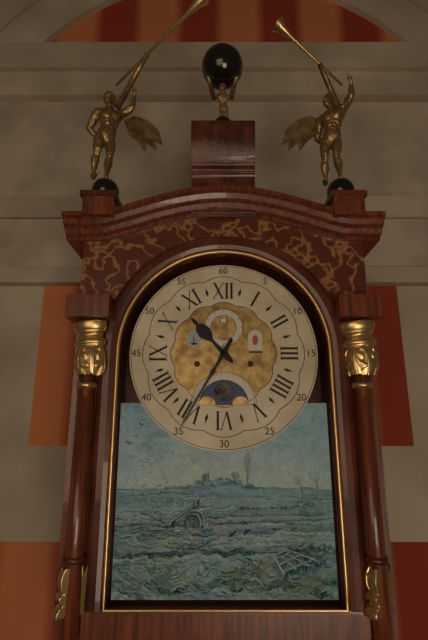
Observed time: 10:35
